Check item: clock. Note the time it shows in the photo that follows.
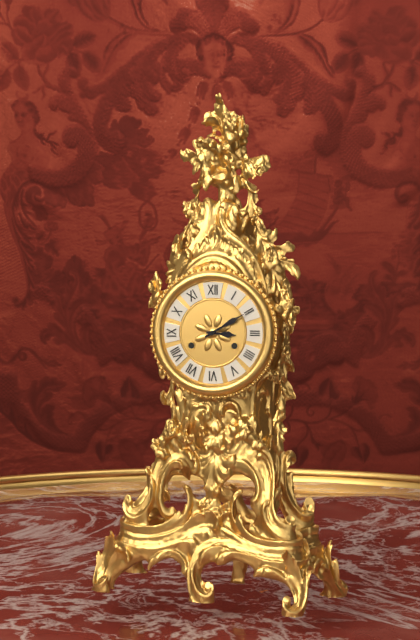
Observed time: 3:10
